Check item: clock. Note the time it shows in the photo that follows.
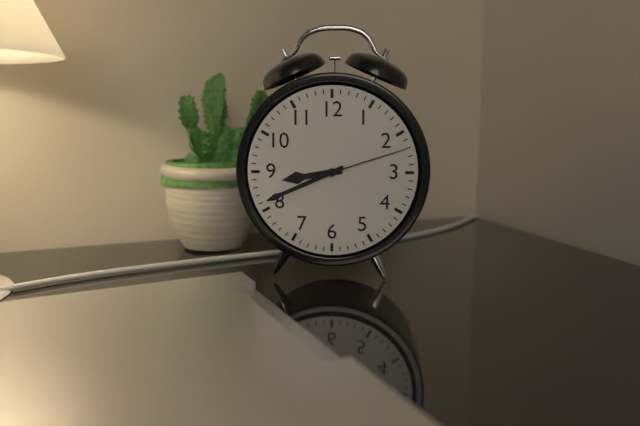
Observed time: 8:41:12
